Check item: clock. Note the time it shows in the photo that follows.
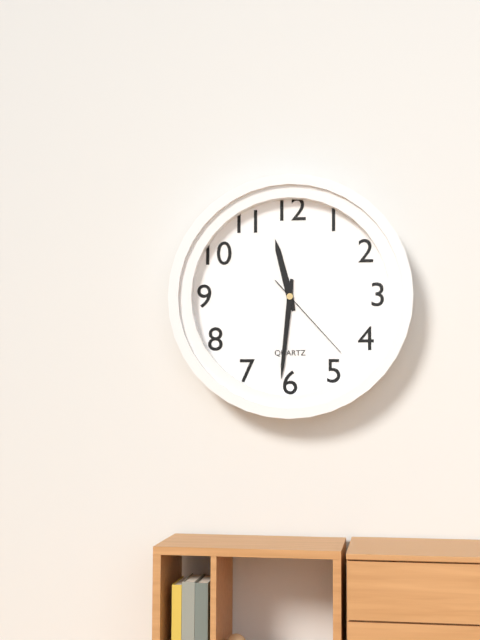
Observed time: 11:31:23
